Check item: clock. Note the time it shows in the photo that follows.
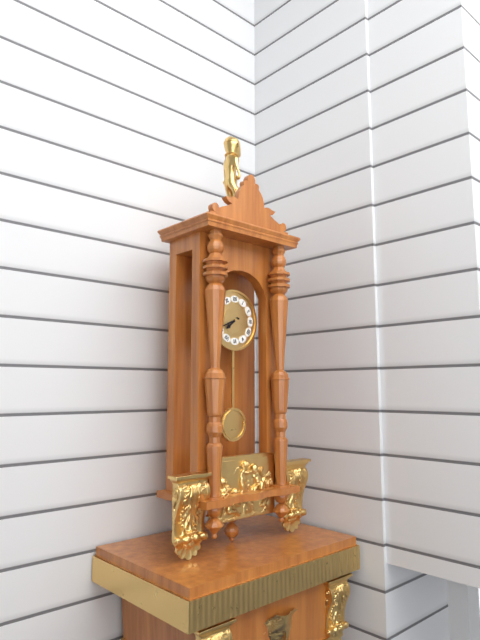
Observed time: 7:41
